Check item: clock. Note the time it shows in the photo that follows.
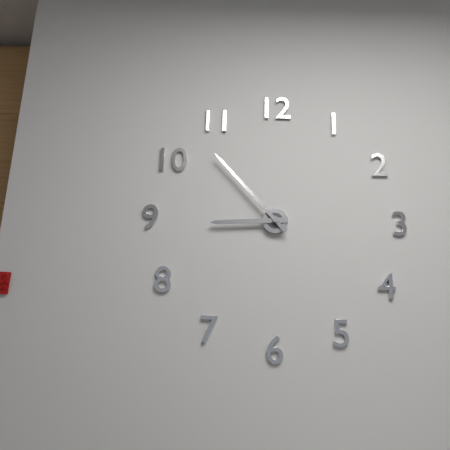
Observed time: 8:53
